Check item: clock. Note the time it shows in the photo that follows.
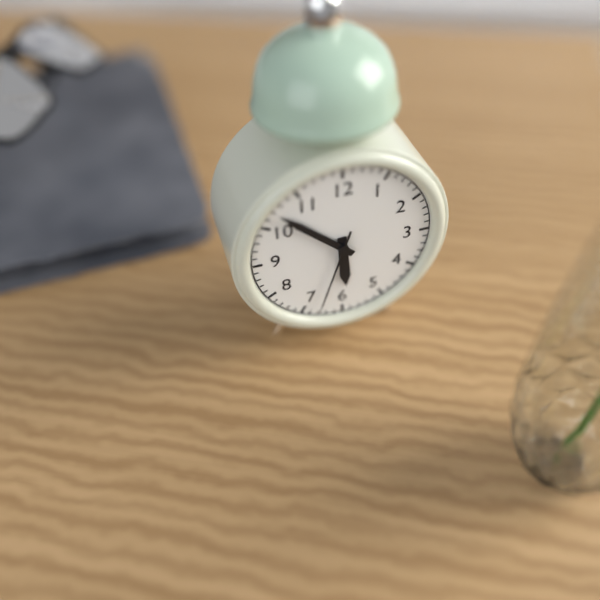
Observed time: 5:52:33
